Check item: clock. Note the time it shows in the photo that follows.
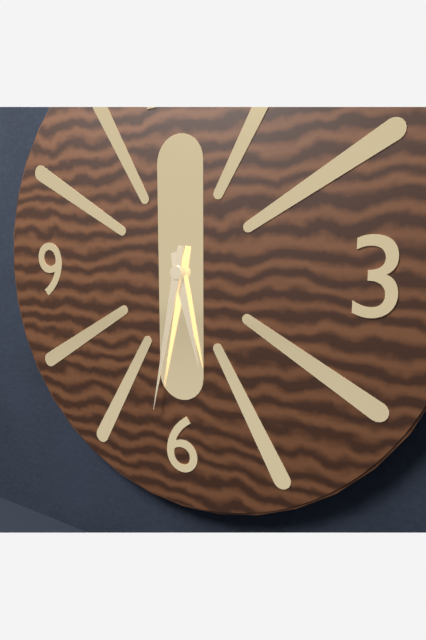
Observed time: 5:32
